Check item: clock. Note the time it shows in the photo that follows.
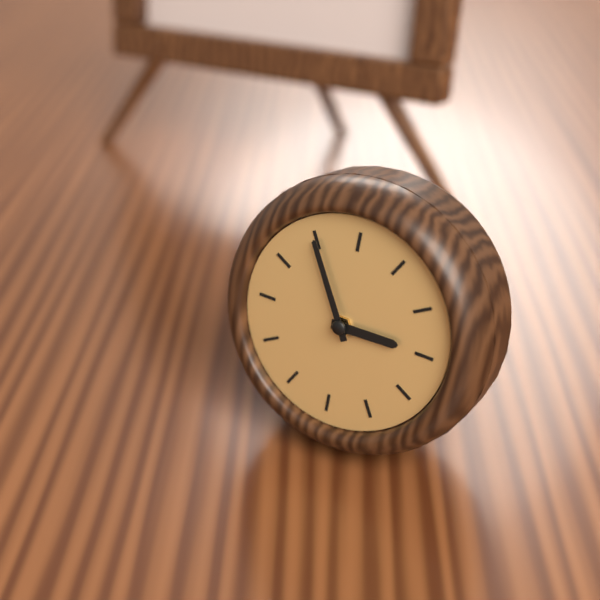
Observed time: 2:55
